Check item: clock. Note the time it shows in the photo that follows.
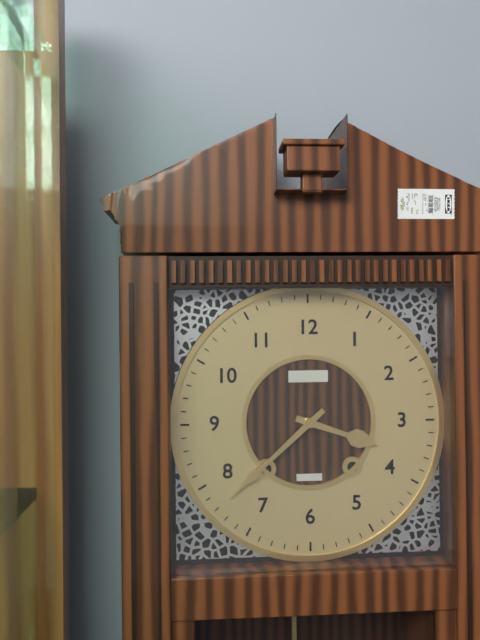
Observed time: 3:38
